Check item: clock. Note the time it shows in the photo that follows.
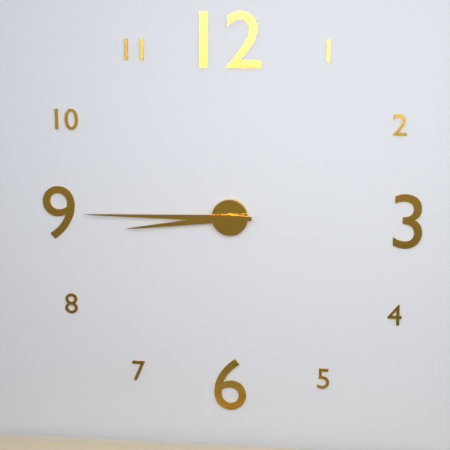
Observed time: 8:45
